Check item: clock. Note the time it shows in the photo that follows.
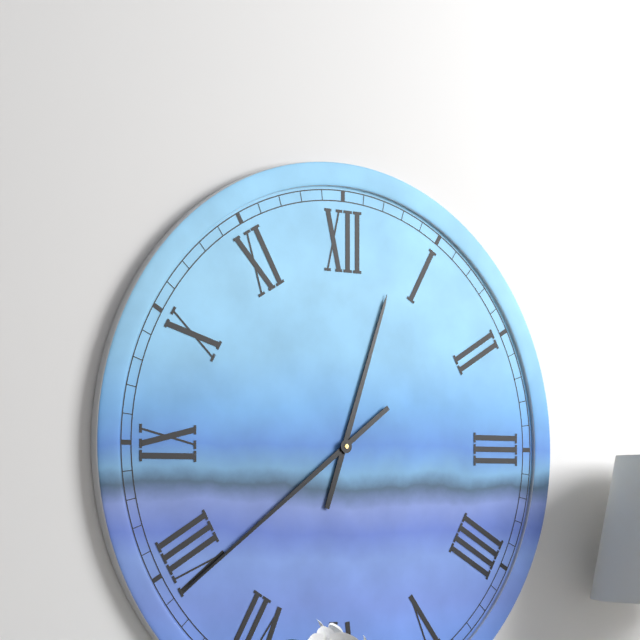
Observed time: 12:39
